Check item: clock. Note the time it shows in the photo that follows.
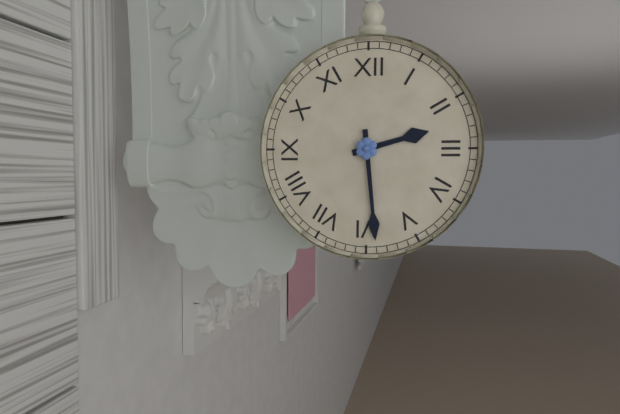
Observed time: 2:29
